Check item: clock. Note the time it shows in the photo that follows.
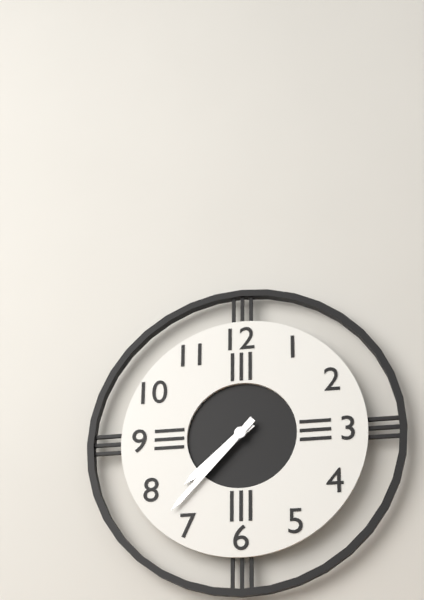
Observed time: 7:37
